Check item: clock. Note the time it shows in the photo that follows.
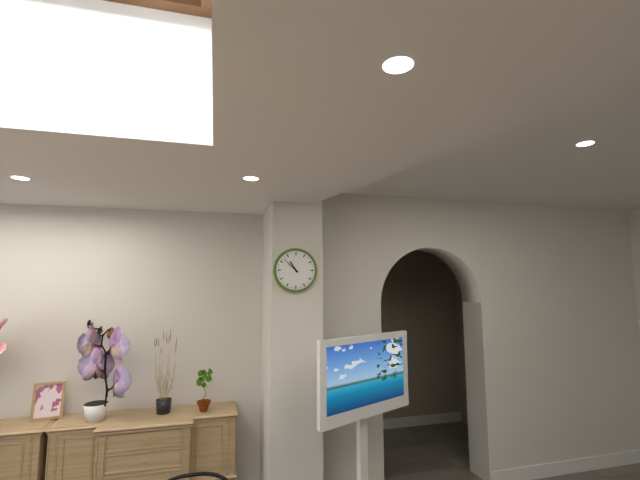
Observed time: 10:52
